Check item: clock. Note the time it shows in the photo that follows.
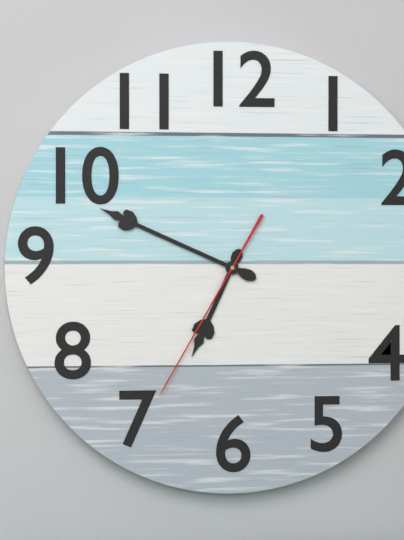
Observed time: 6:49:35
